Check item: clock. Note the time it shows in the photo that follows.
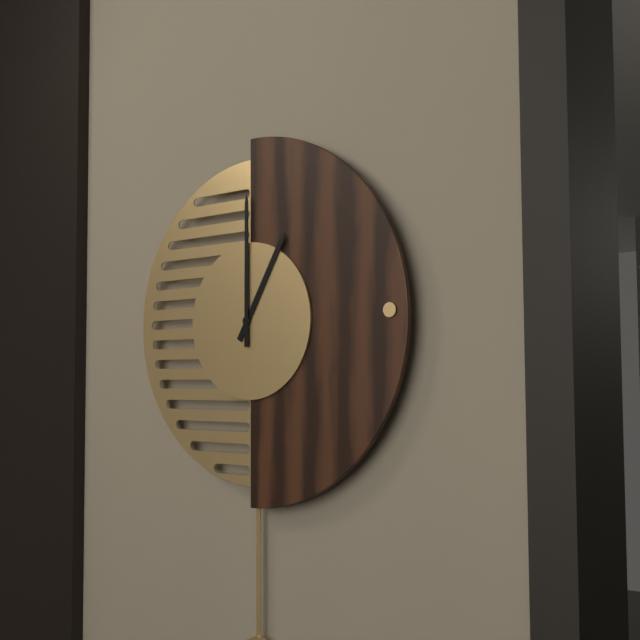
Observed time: 1:00
